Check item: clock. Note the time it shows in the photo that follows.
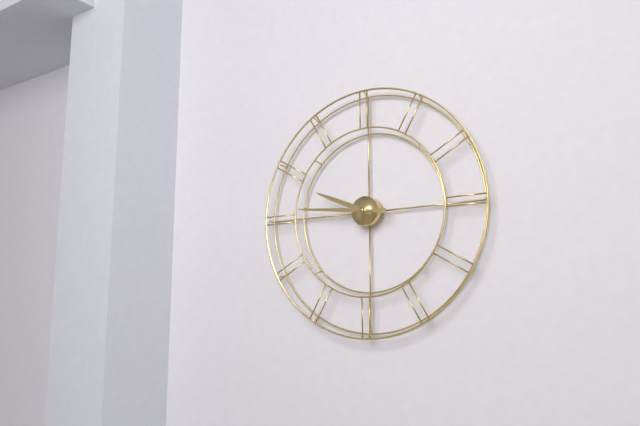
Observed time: 9:46
